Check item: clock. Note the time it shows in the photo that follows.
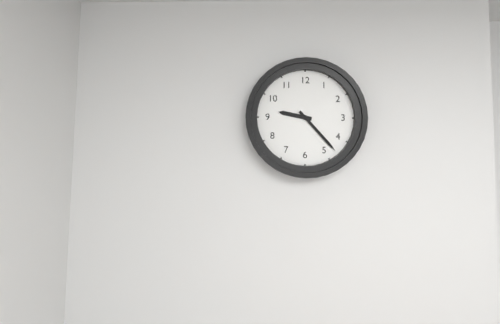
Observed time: 9:23
